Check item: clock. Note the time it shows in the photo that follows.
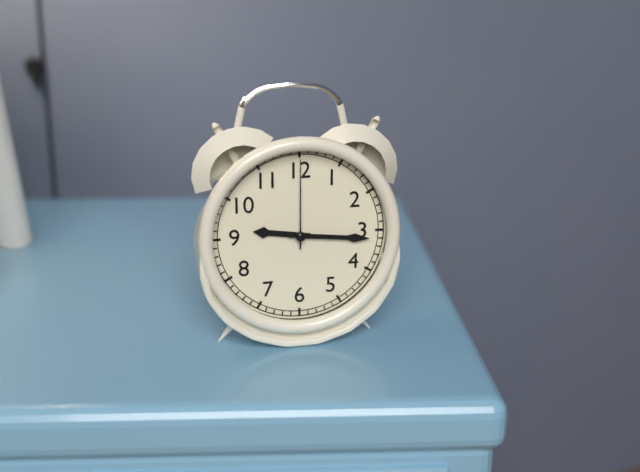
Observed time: 9:16:00
